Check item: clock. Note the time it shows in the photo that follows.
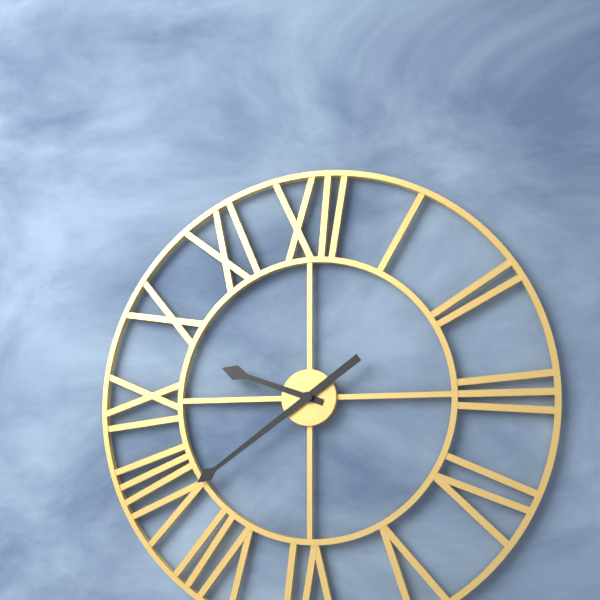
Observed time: 9:39
